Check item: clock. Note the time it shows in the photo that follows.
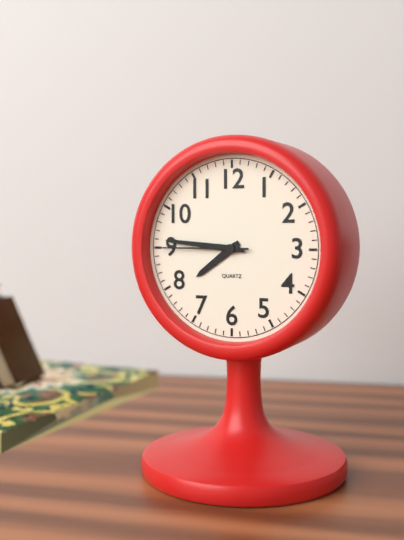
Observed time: 7:46:45
